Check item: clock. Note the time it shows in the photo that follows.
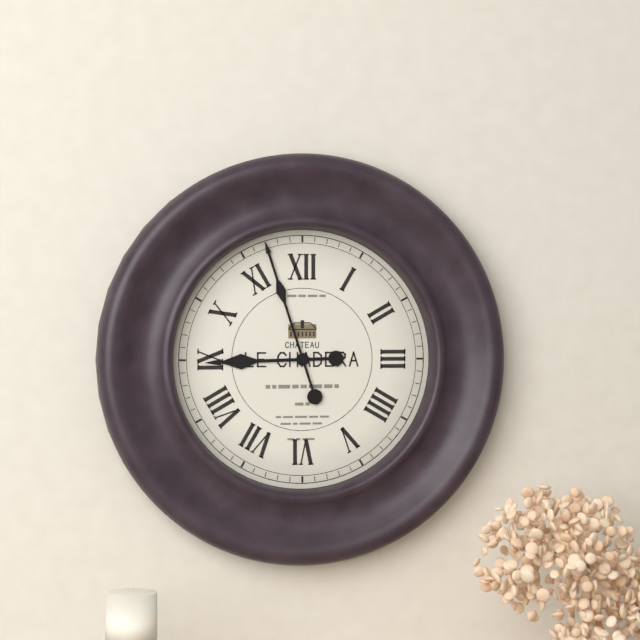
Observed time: 8:57
